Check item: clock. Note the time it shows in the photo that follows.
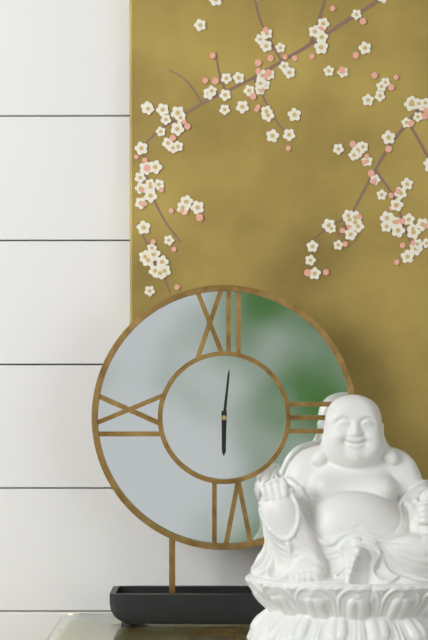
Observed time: 6:01
